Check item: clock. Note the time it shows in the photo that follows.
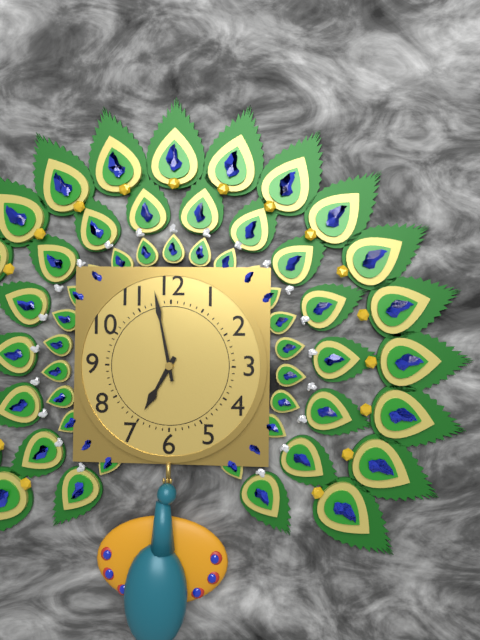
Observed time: 6:58
